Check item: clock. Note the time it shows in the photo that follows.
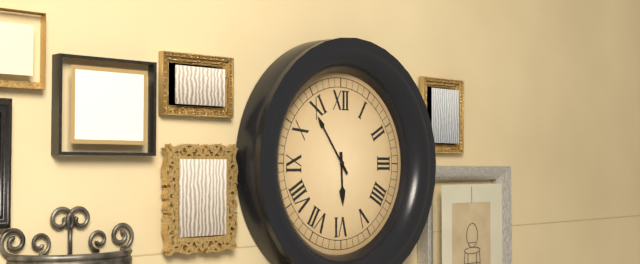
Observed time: 5:54
